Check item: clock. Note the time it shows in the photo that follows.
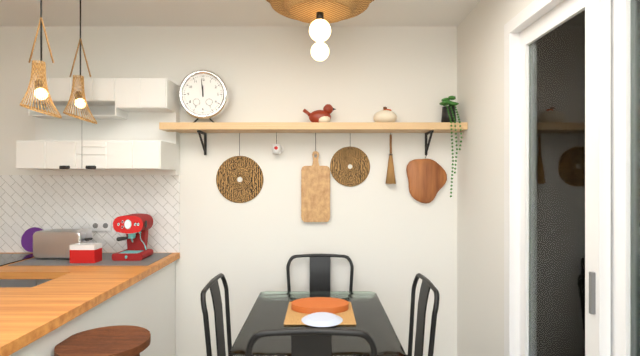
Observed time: 11:59
